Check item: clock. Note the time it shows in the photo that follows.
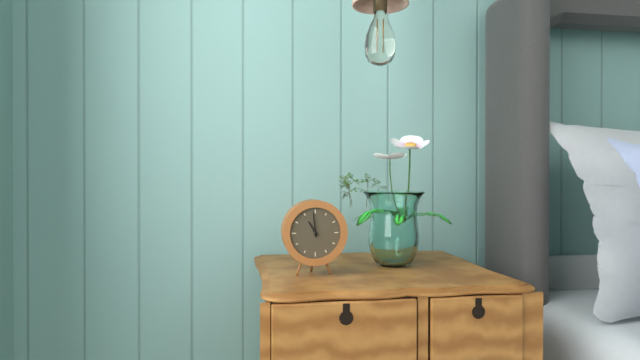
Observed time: 10:59
